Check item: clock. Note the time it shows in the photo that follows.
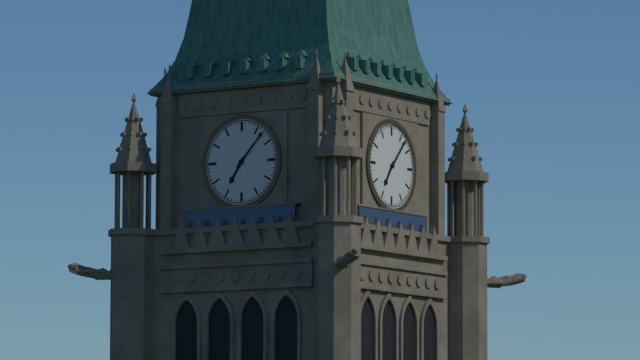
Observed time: 7:07
